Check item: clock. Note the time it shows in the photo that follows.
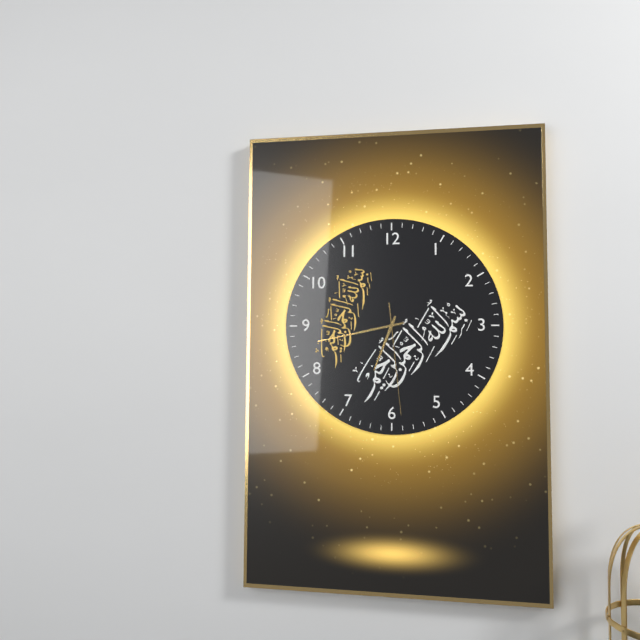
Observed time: 6:43:29
